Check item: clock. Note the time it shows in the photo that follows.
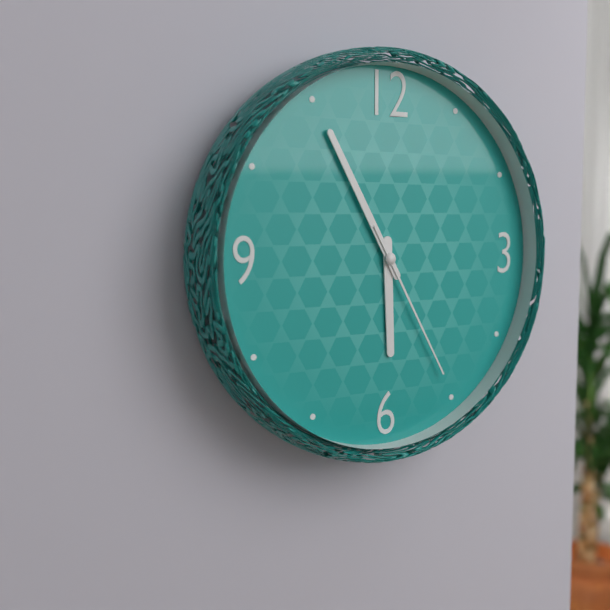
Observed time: 5:55:25
